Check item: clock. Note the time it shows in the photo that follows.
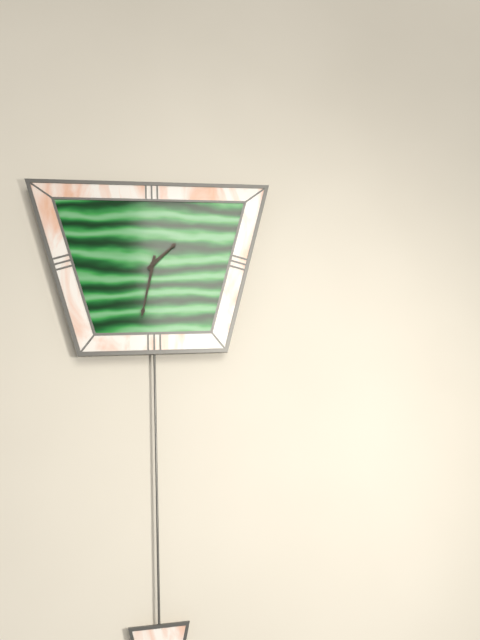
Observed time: 1:32
